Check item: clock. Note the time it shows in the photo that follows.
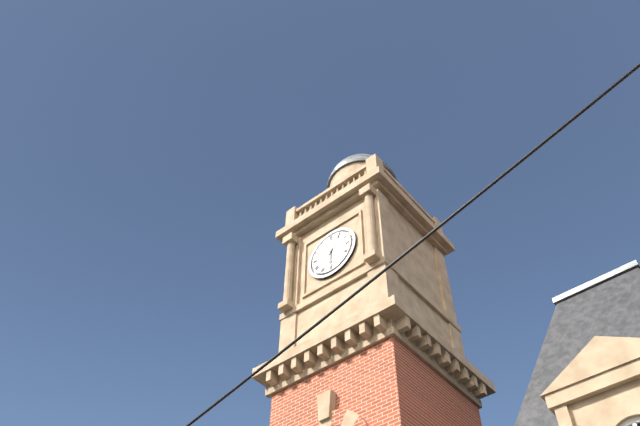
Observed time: 6:05
